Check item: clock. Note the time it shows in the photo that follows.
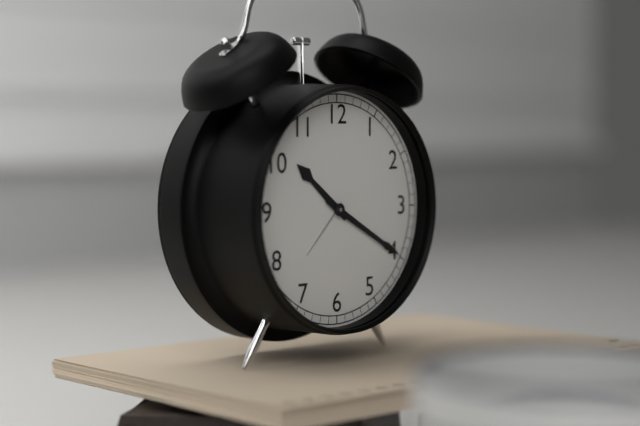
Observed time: 10:20
